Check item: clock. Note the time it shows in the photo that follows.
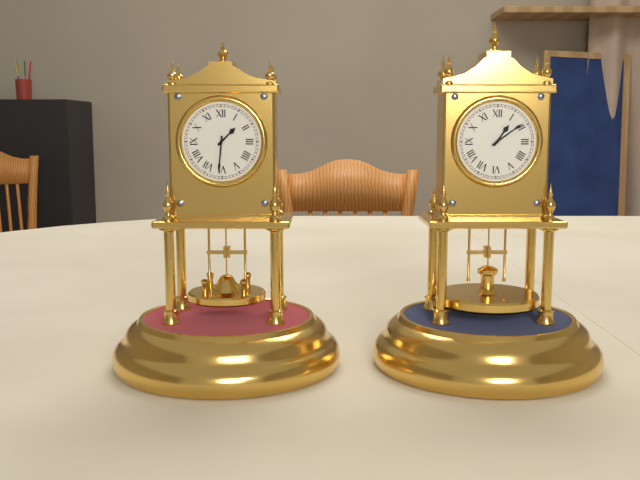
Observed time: 1:31
